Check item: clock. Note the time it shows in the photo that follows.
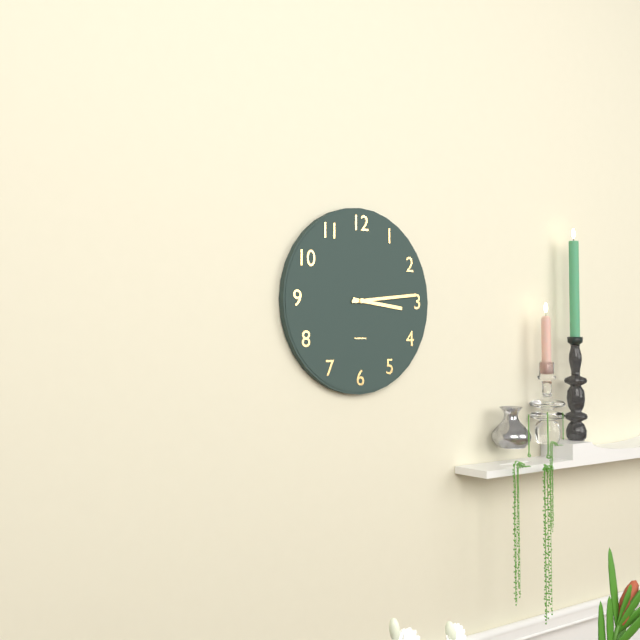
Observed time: 3:14
